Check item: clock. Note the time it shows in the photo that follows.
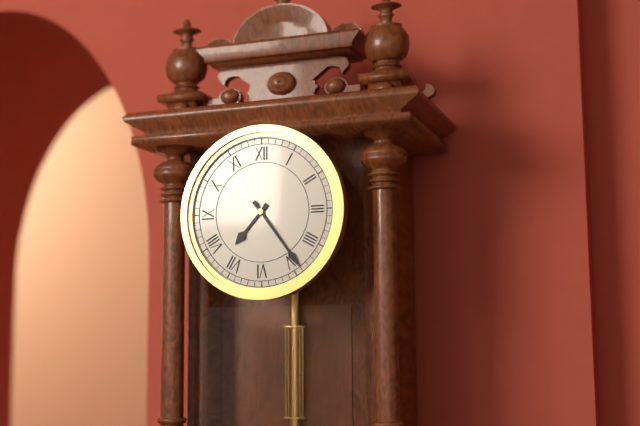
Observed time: 7:24
